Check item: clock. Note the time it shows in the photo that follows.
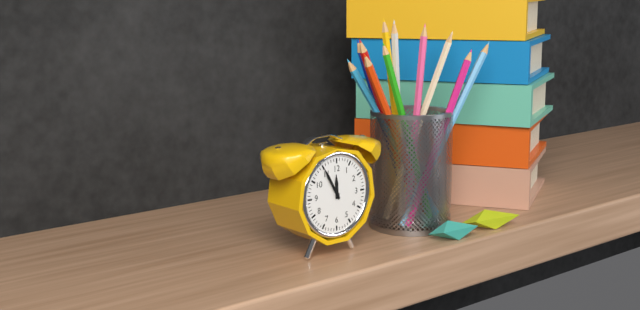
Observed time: 11:55
